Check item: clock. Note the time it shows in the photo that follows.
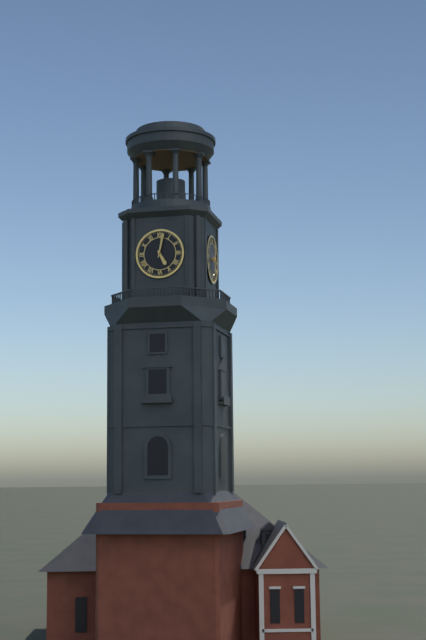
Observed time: 5:02
